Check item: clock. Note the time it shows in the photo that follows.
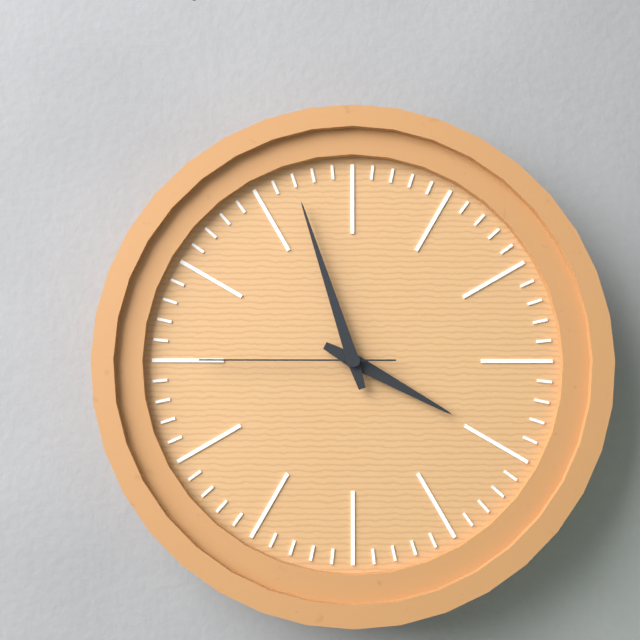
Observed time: 3:57:45
